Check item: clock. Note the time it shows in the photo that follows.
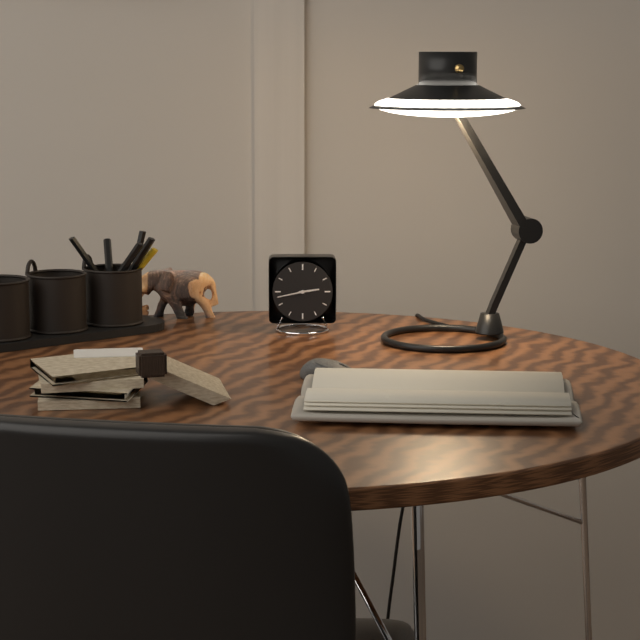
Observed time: 2:43
